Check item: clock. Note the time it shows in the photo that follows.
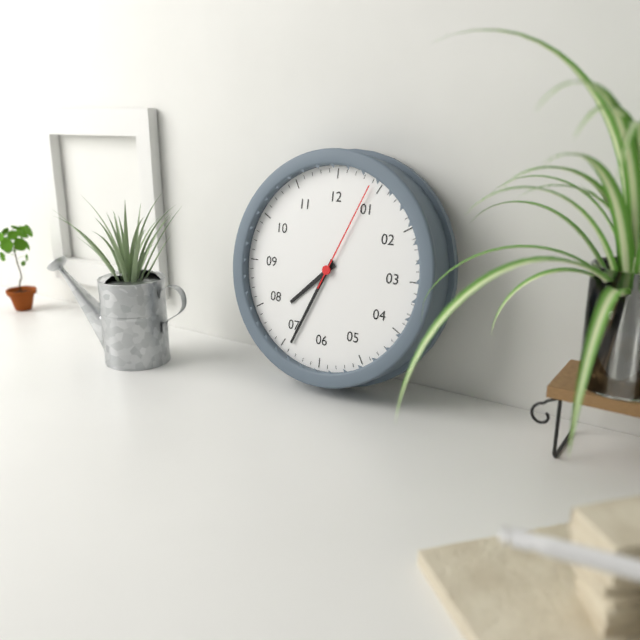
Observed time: 7:34:04
